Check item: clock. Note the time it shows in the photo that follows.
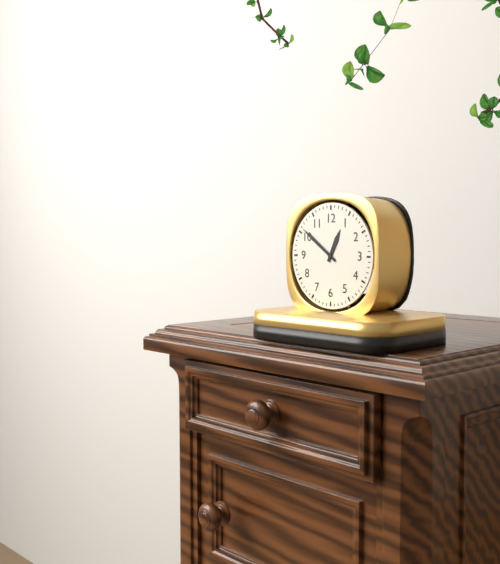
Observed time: 12:51
